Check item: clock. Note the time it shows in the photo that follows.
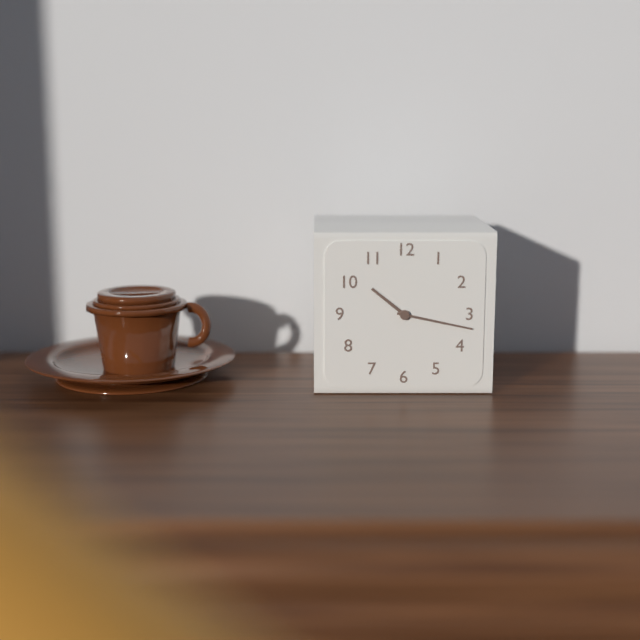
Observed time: 10:17
